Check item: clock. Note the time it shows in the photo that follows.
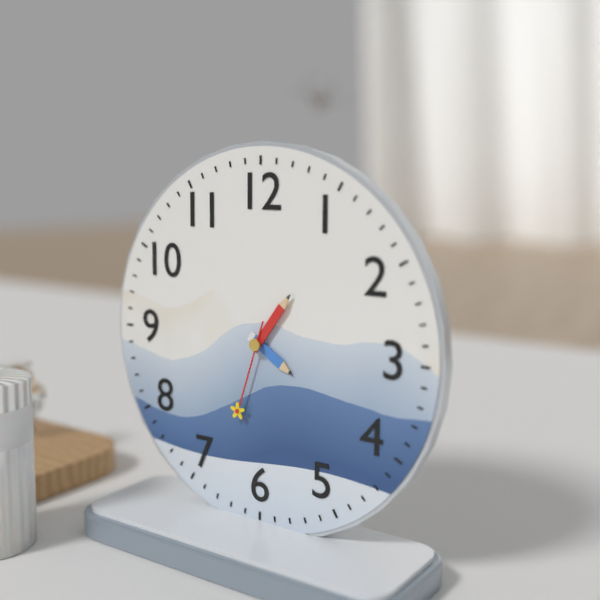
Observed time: 4:06:33
